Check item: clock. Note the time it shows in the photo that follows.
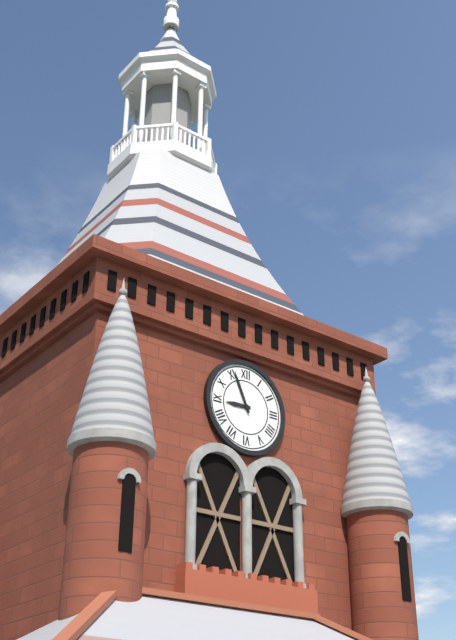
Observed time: 8:56
